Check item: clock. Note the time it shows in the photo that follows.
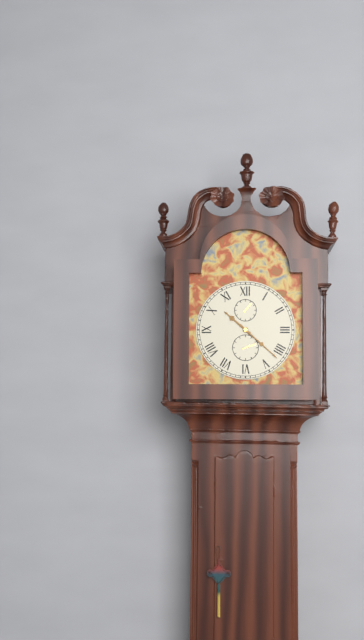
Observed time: 10:22
